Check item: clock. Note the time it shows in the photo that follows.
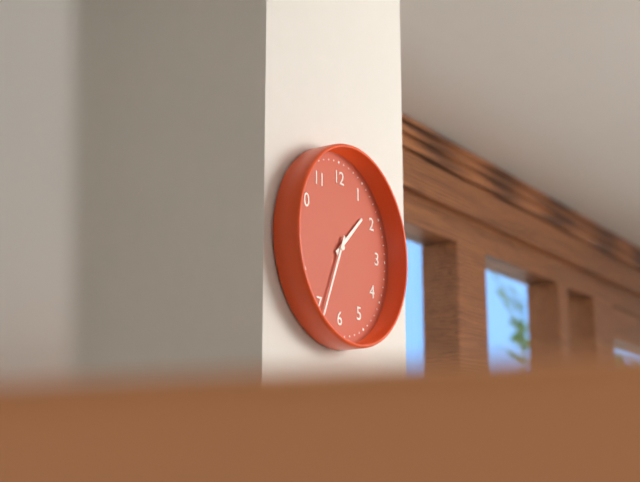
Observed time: 1:34
